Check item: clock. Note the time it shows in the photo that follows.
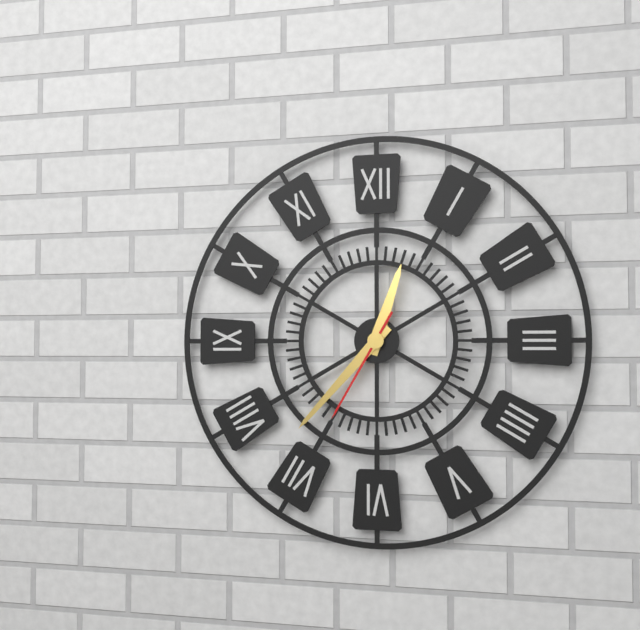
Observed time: 12:37:35
